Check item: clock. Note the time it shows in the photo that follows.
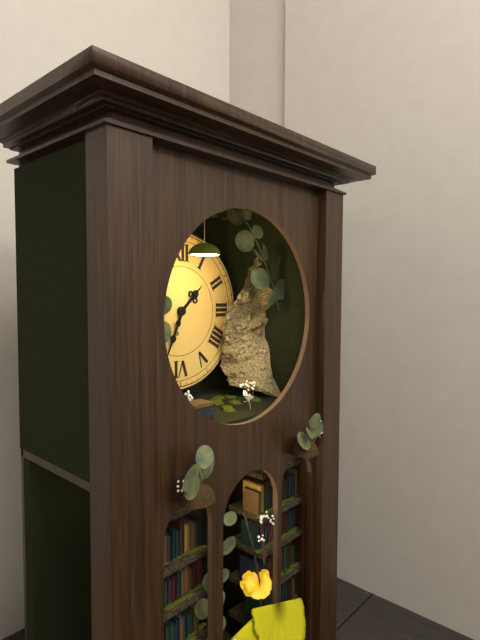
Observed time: 1:34
